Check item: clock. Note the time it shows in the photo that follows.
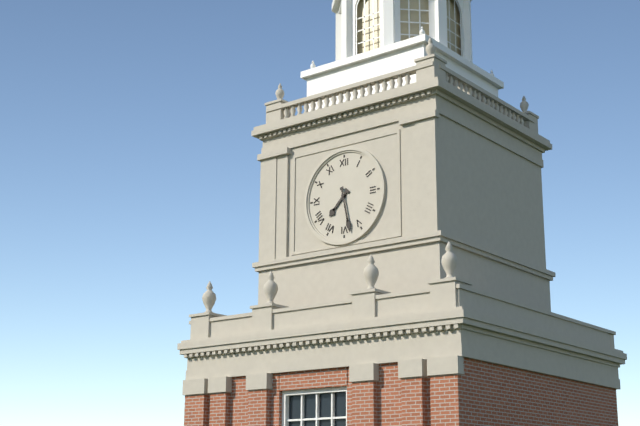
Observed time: 7:28
